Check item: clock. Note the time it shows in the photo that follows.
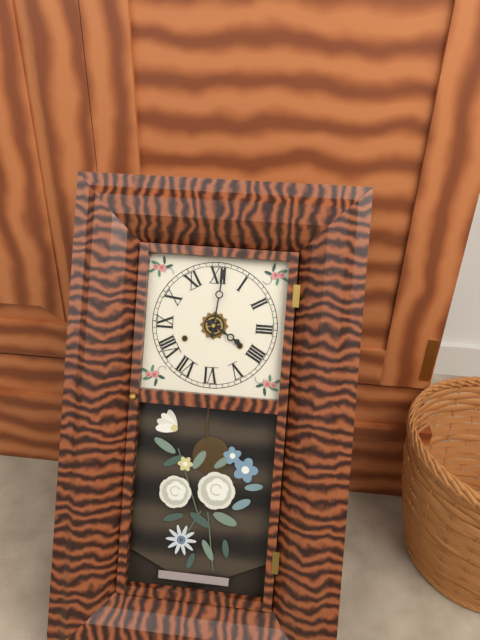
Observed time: 4:01
